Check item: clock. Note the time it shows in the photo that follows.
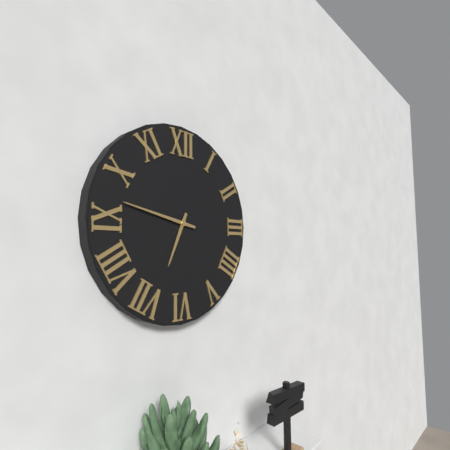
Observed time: 6:47
